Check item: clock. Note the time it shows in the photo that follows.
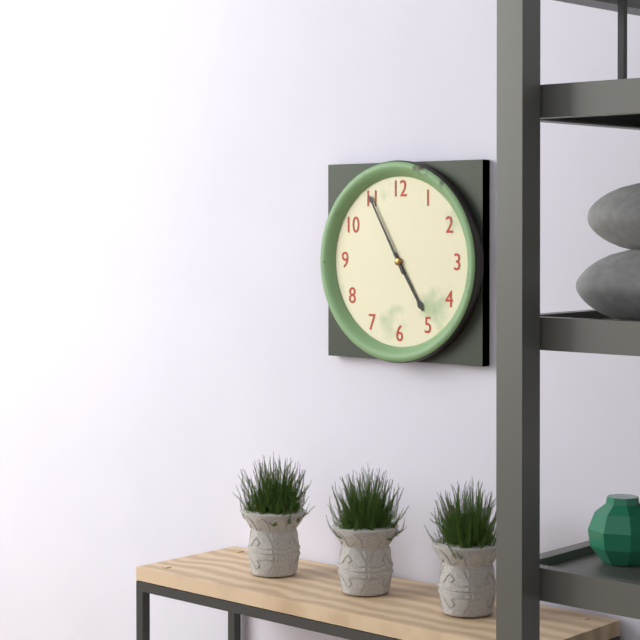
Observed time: 4:55
